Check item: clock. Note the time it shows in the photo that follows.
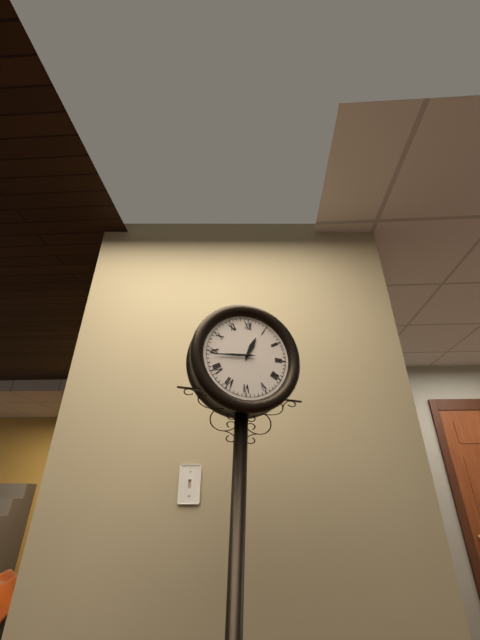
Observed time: 12:44
